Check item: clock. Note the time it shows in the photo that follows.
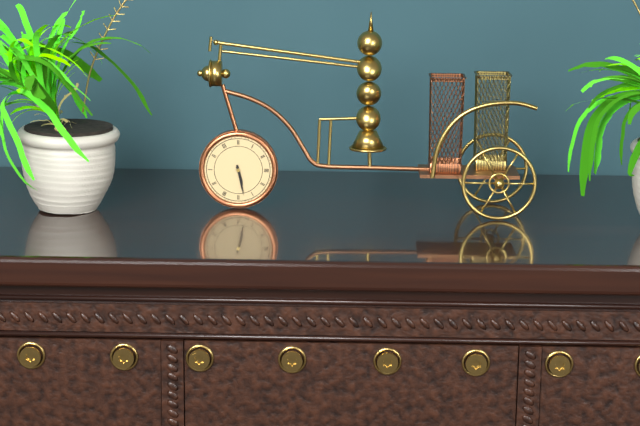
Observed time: 5:28
